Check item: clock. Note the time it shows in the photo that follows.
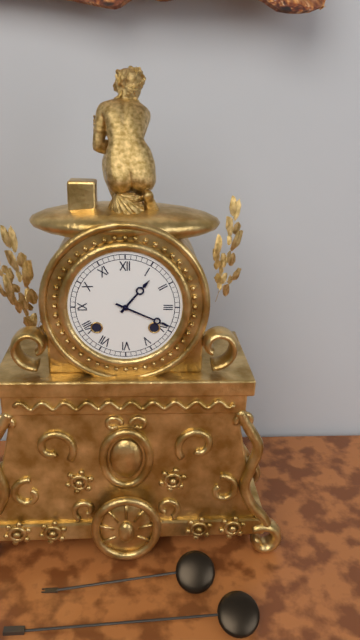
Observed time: 1:19
